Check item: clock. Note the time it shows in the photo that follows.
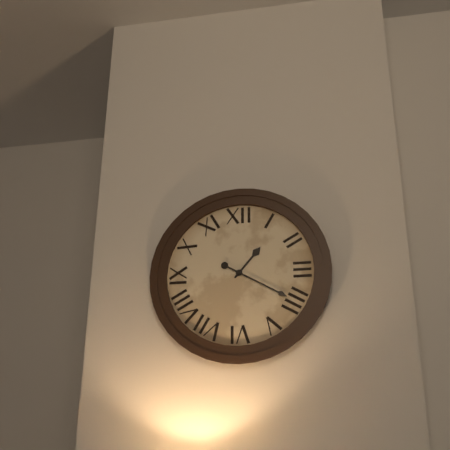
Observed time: 1:20
